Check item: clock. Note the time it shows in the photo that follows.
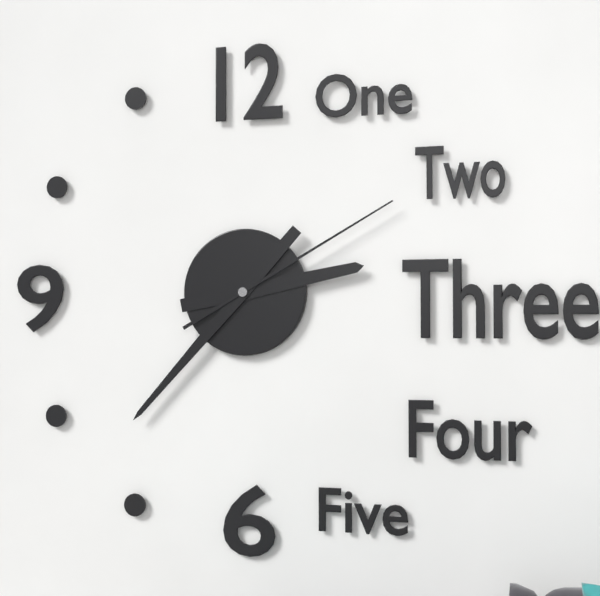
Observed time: 2:37:10
